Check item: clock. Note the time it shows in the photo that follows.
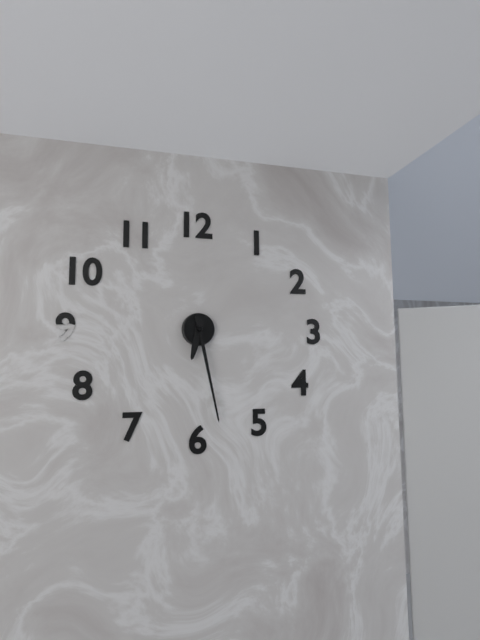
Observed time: 6:28
